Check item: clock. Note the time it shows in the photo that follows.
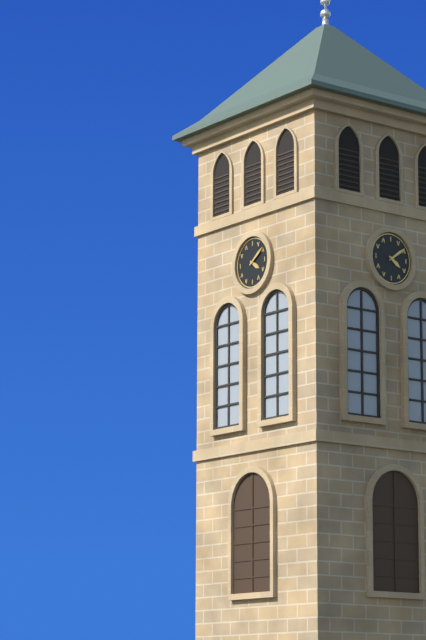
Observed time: 4:09
